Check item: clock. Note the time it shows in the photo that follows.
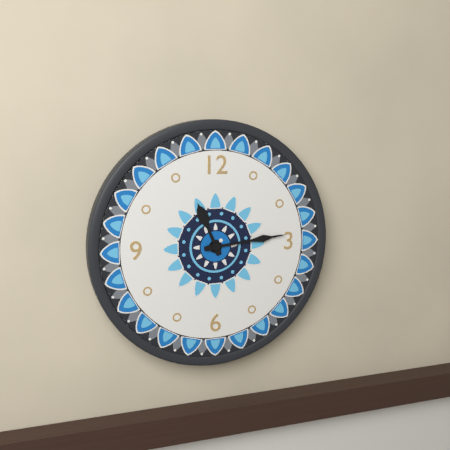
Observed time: 11:14
